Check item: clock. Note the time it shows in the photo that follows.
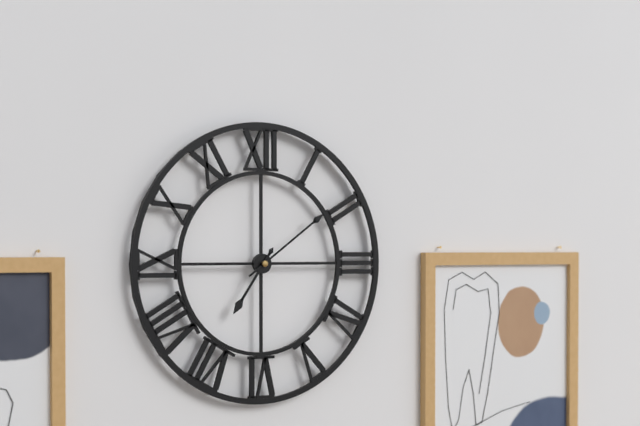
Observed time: 7:09
